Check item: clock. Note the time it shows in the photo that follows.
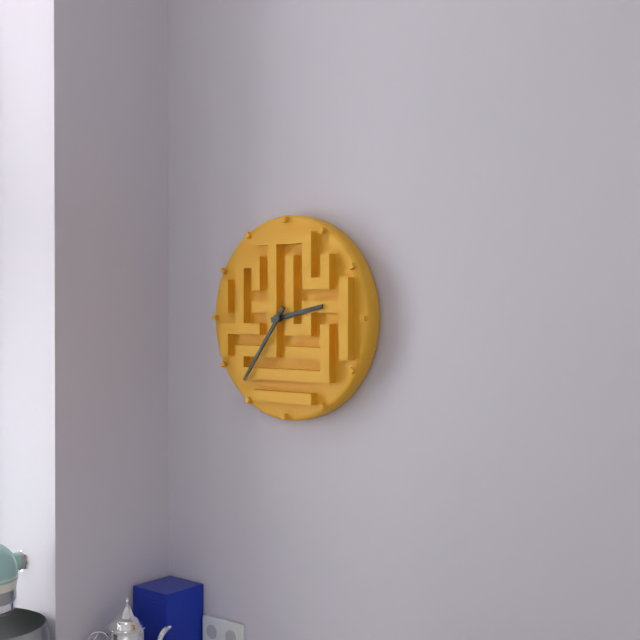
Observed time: 2:36
